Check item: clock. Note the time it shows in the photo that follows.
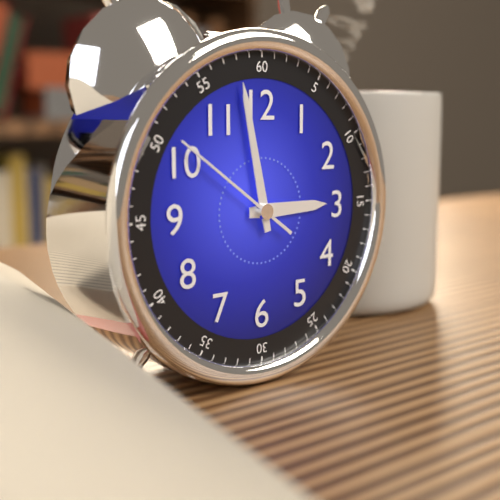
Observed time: 2:58:51
